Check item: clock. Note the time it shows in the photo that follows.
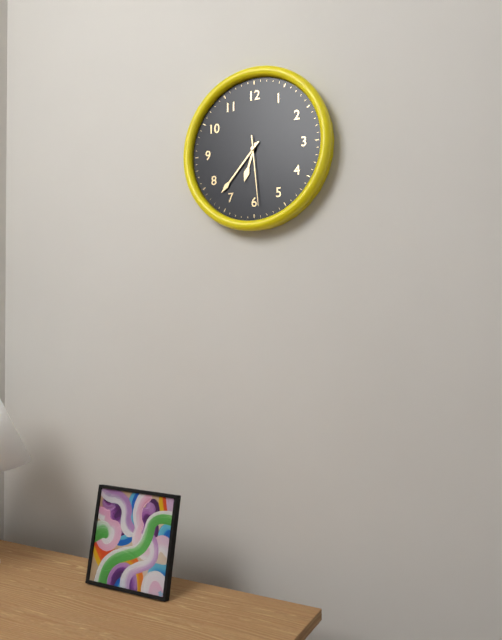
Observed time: 6:37:29
